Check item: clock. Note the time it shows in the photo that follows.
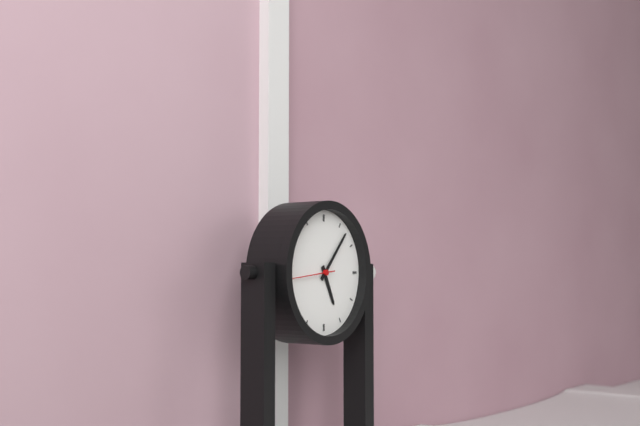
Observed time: 5:07
